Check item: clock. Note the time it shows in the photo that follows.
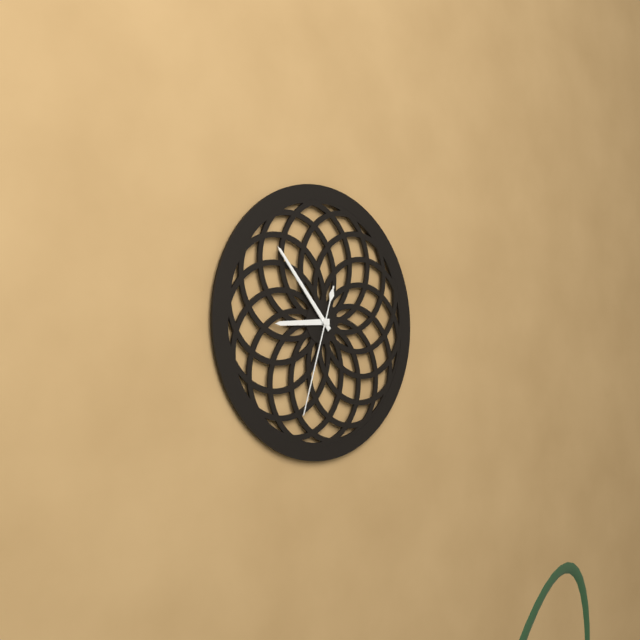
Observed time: 8:53:33
